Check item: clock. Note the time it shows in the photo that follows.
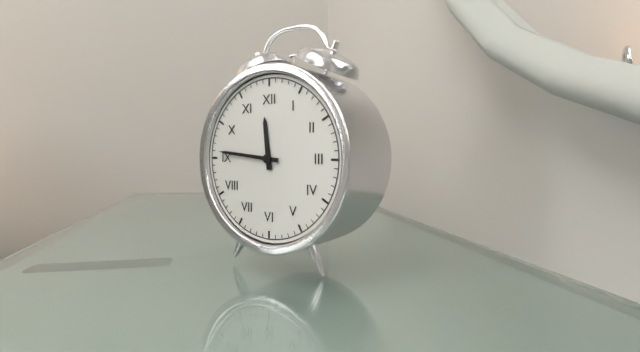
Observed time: 11:46
